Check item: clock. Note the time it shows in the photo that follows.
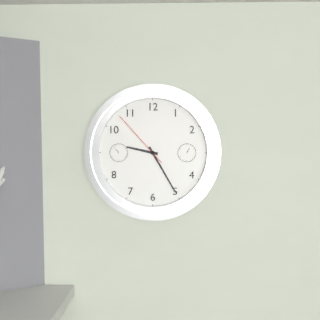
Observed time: 9:25:53
